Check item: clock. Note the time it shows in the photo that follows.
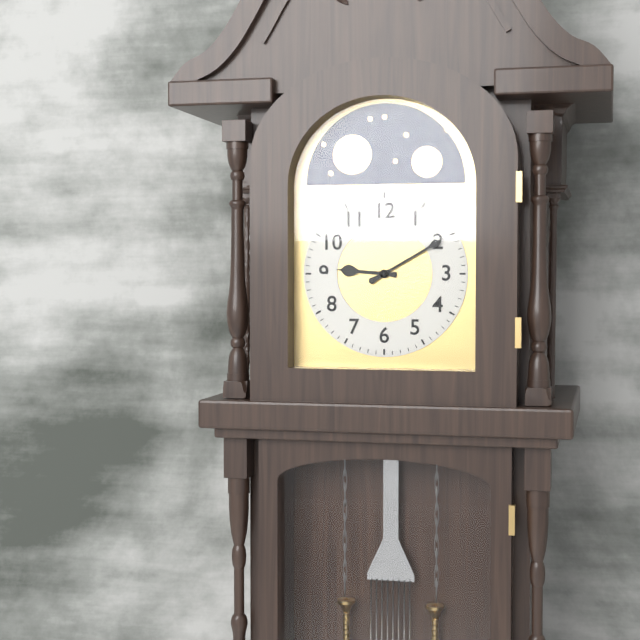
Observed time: 9:10
